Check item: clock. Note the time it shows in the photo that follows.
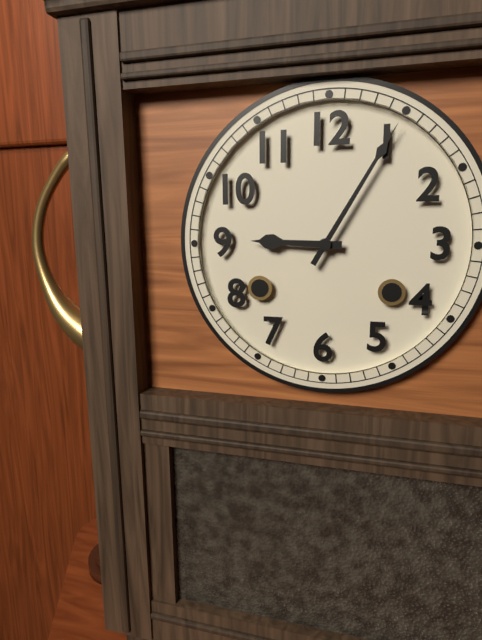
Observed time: 9:05
